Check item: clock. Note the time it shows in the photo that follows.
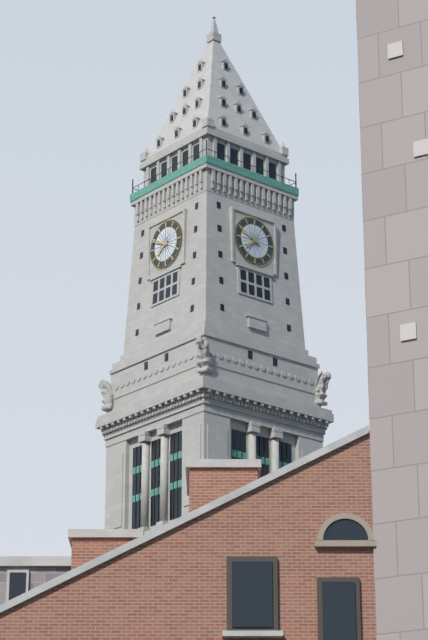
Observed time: 7:49
